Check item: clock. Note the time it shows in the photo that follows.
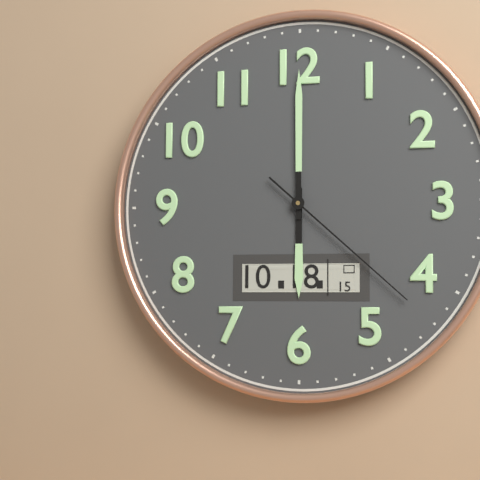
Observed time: 6:00:22
